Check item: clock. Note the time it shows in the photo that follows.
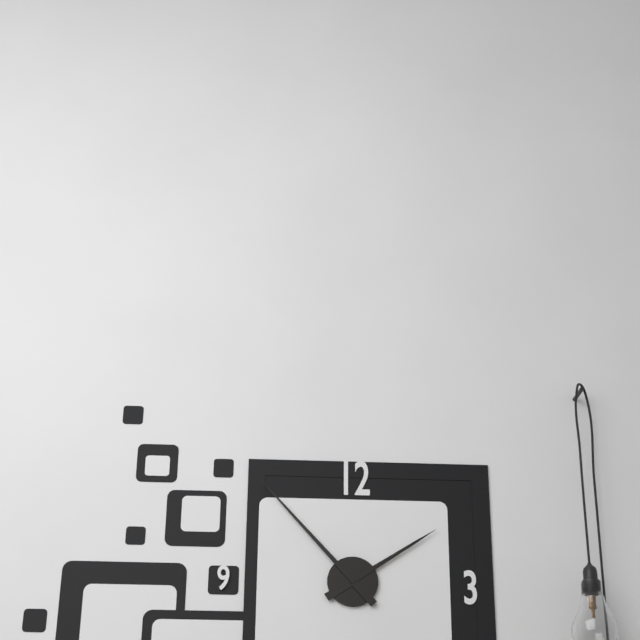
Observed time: 1:53
